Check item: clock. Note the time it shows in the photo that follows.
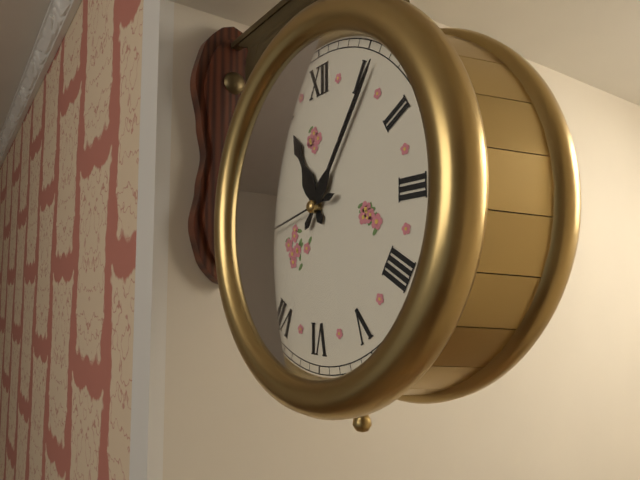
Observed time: 11:06:43
